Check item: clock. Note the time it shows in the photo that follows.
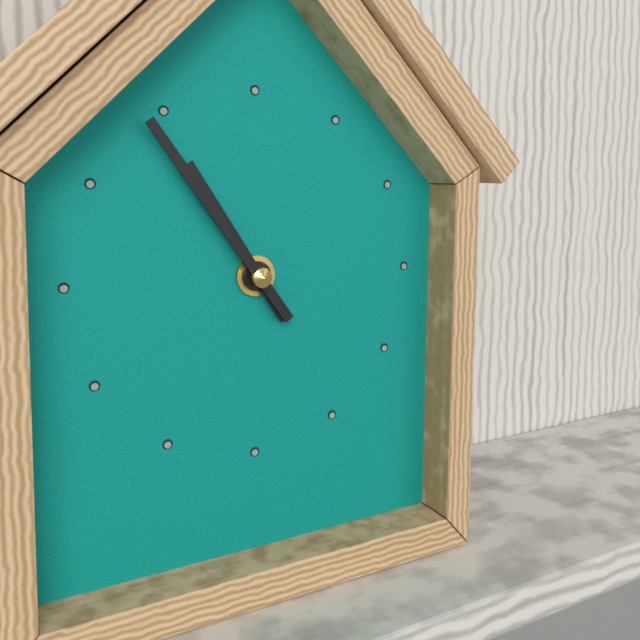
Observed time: 10:54
